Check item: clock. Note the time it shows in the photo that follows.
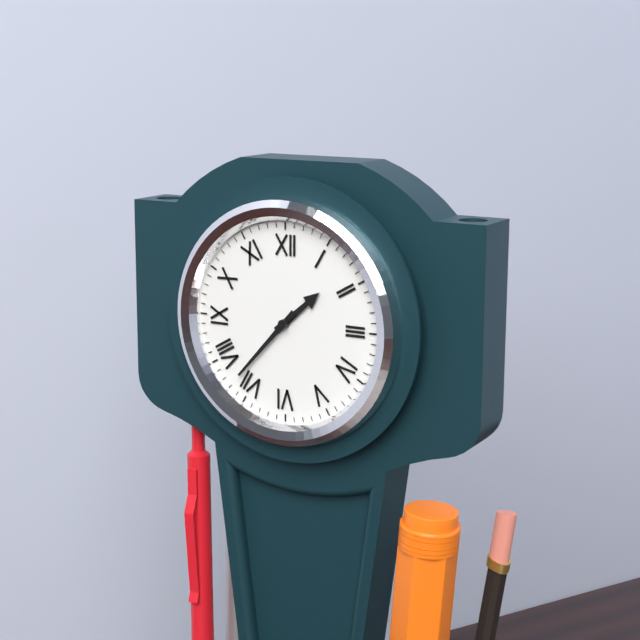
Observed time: 1:37
